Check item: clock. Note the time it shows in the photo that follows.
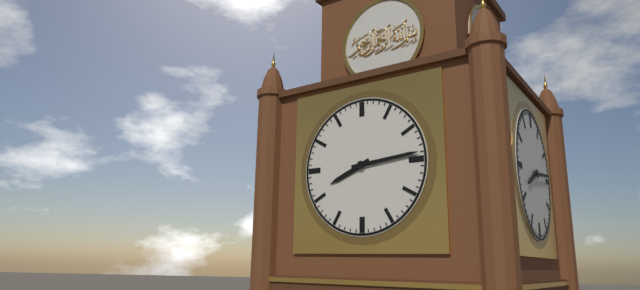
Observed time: 8:14
